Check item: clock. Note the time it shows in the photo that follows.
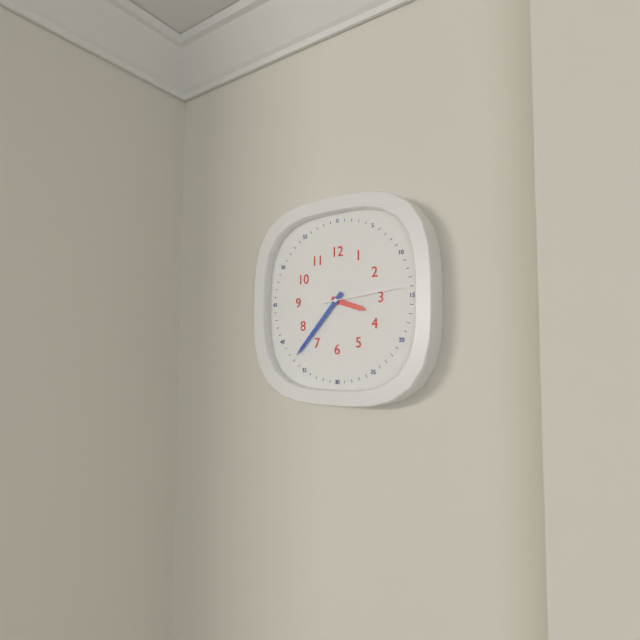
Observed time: 3:37:14
